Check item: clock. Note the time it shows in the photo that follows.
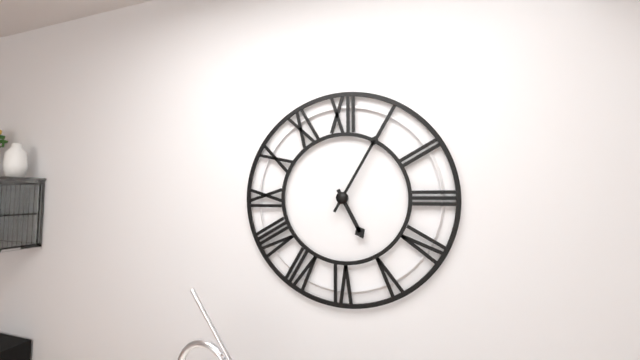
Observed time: 5:05
